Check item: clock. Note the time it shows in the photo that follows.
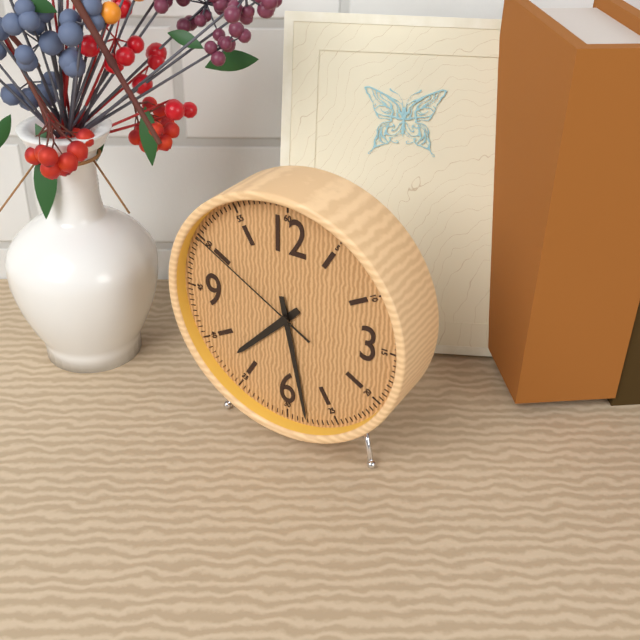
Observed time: 7:28:50
